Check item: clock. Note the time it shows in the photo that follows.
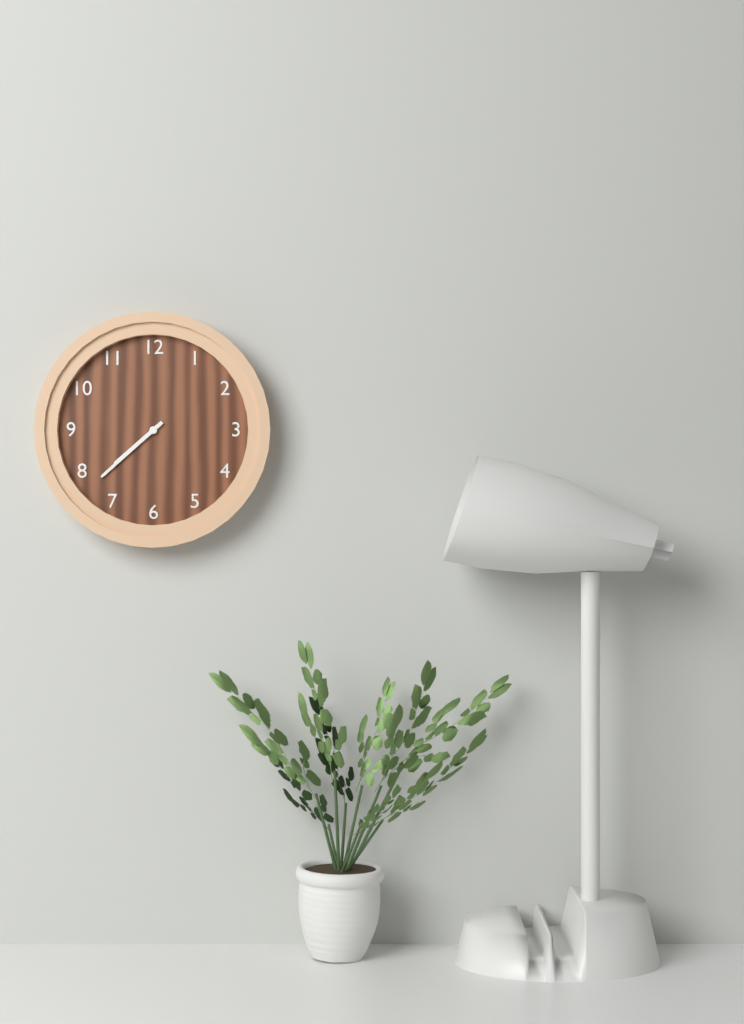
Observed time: 7:38
